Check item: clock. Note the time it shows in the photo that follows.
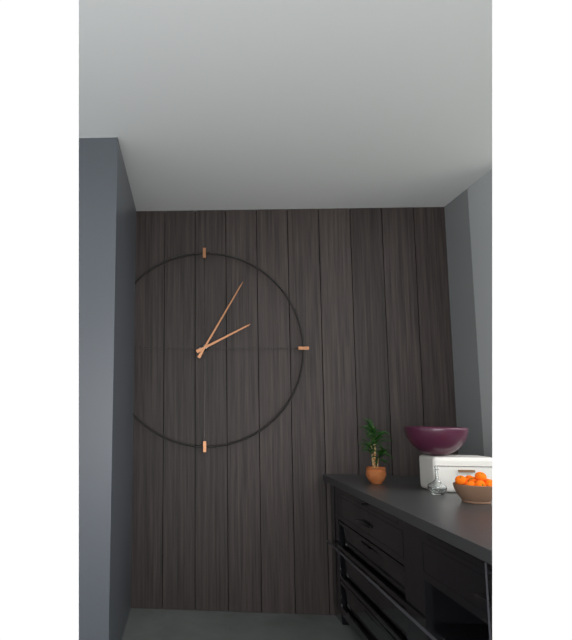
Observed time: 2:05
